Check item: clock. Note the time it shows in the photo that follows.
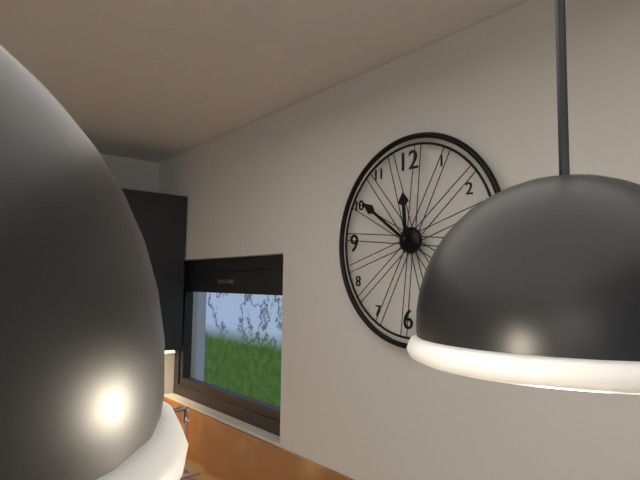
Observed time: 11:51
